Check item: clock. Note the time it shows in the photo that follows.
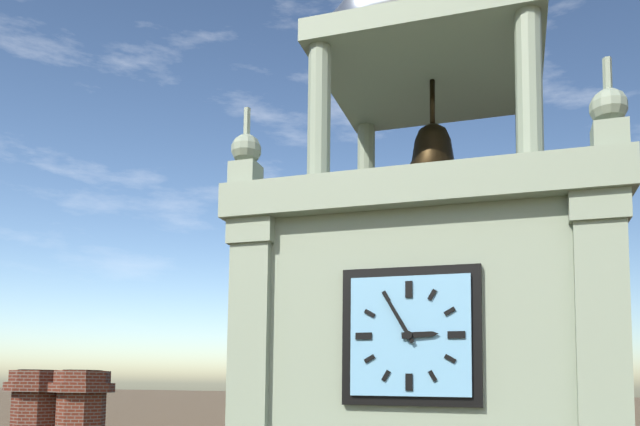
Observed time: 2:55
